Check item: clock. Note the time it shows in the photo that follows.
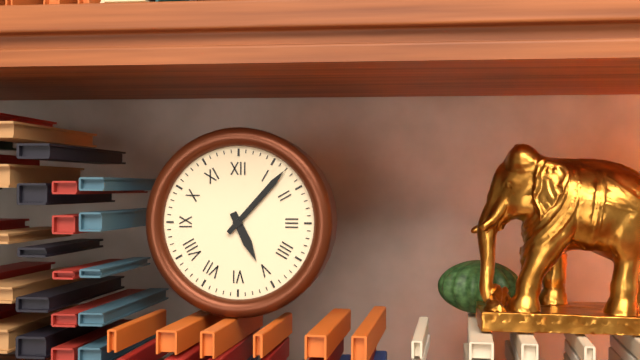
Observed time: 5:07
